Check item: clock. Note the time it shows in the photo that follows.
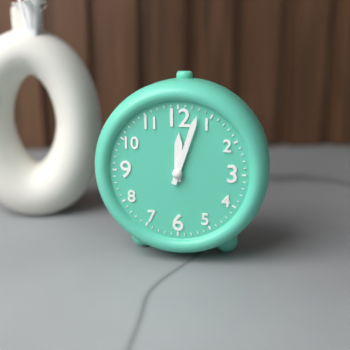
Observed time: 12:03
